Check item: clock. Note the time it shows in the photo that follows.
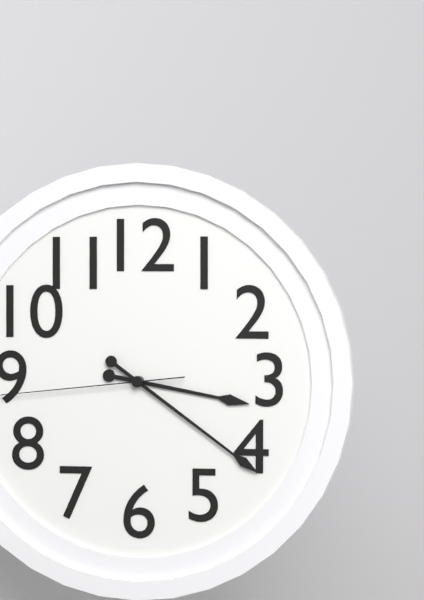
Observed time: 3:21
